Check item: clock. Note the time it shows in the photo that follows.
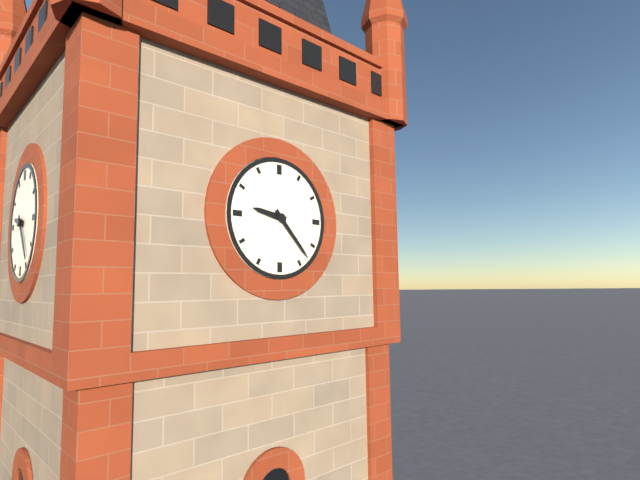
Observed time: 9:23
